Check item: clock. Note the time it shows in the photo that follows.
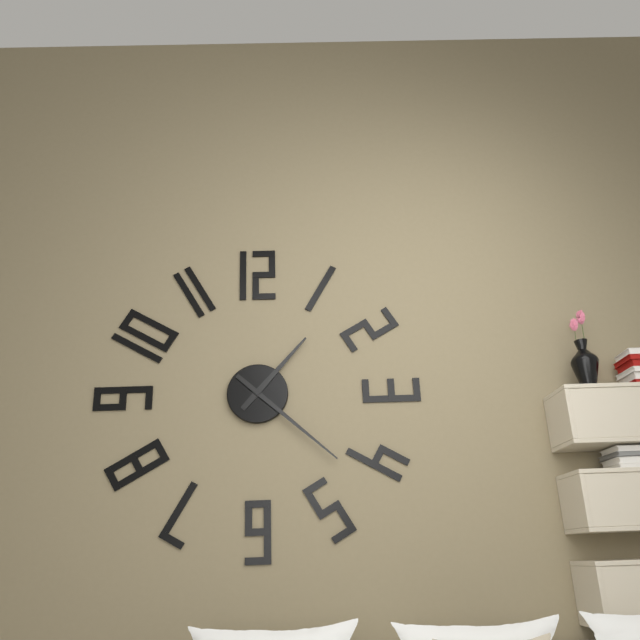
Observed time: 1:22
